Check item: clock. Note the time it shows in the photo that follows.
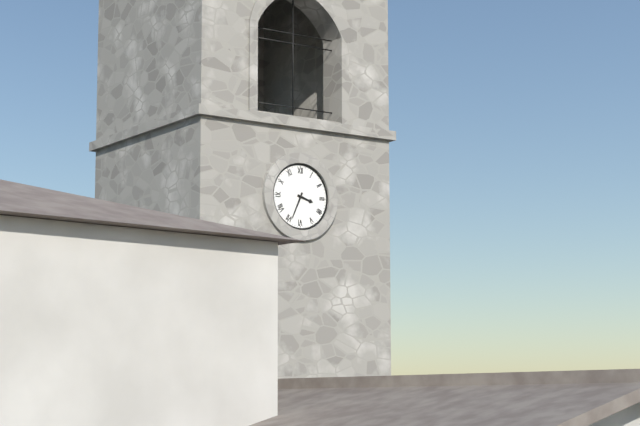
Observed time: 3:34
